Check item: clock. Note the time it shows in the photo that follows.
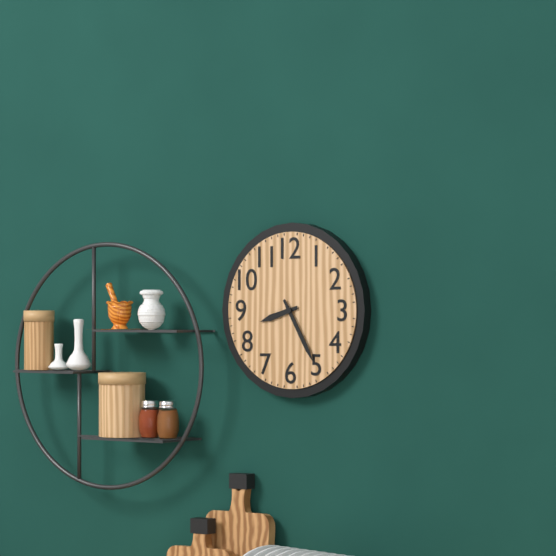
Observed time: 8:25
